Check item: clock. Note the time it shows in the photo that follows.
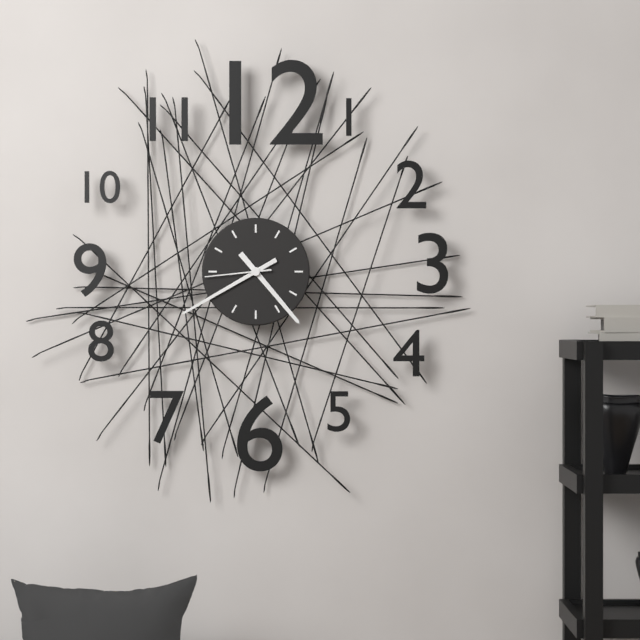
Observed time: 4:40:44
